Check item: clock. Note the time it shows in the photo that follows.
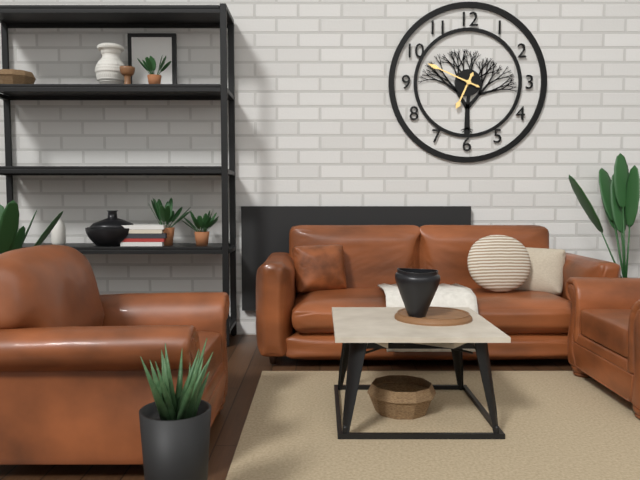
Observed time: 6:49
